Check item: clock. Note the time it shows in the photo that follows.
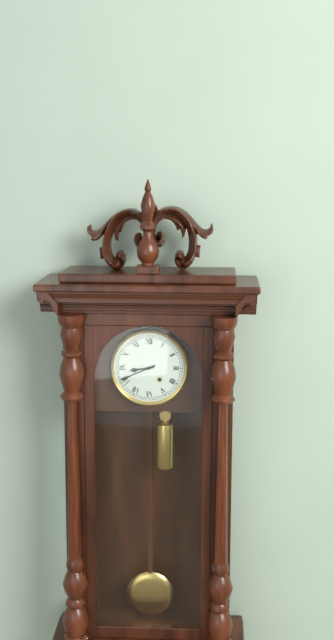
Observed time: 8:41
